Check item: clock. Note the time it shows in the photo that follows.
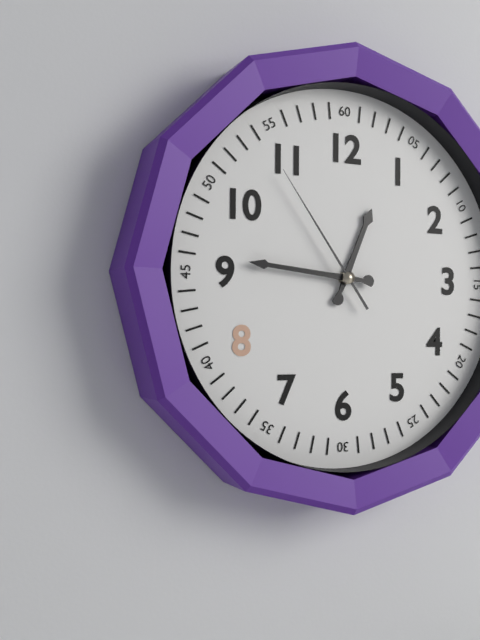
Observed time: 12:46:54
